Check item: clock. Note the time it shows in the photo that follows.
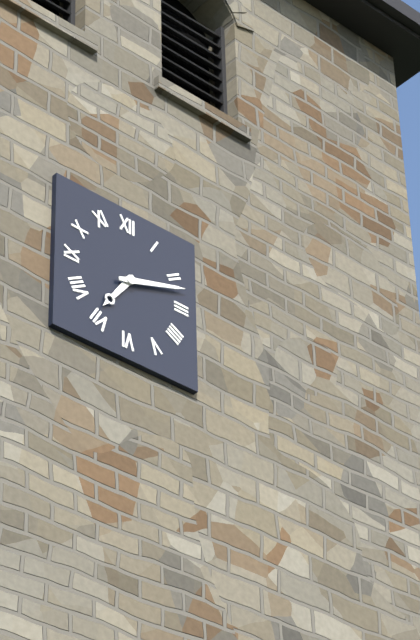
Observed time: 7:12
